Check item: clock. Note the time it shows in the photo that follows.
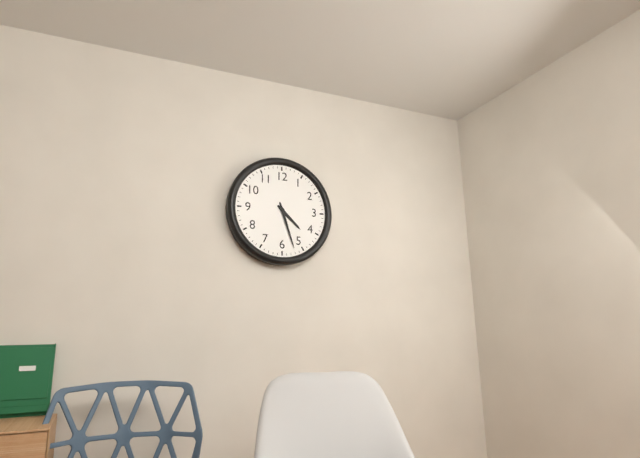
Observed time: 4:27
